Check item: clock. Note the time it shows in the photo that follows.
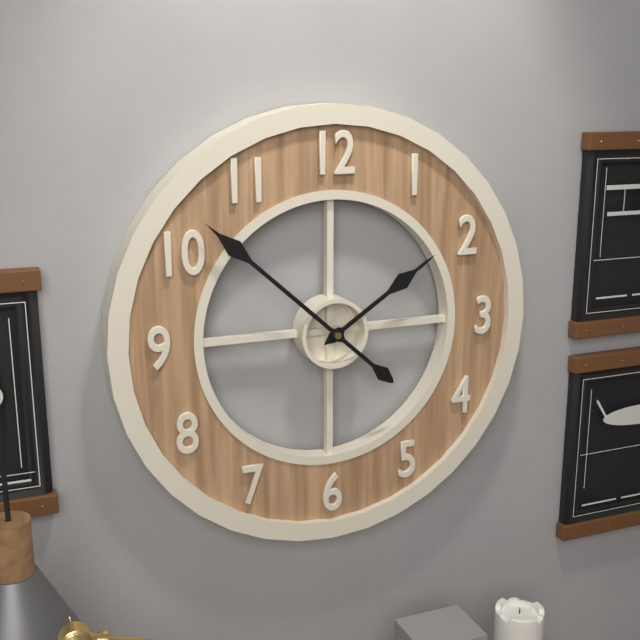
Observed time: 1:52
